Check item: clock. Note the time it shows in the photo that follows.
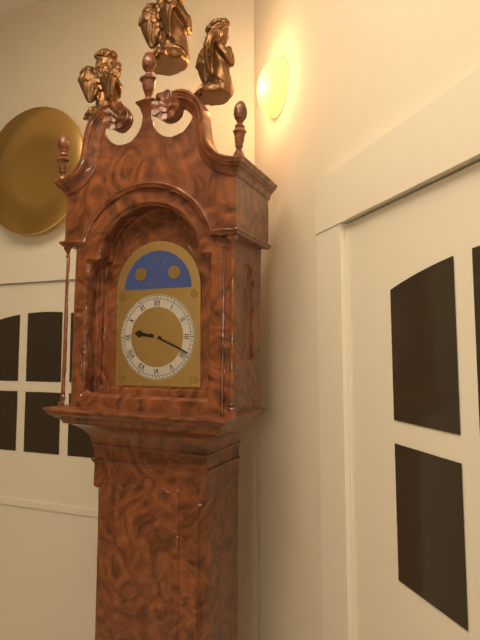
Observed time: 9:19
